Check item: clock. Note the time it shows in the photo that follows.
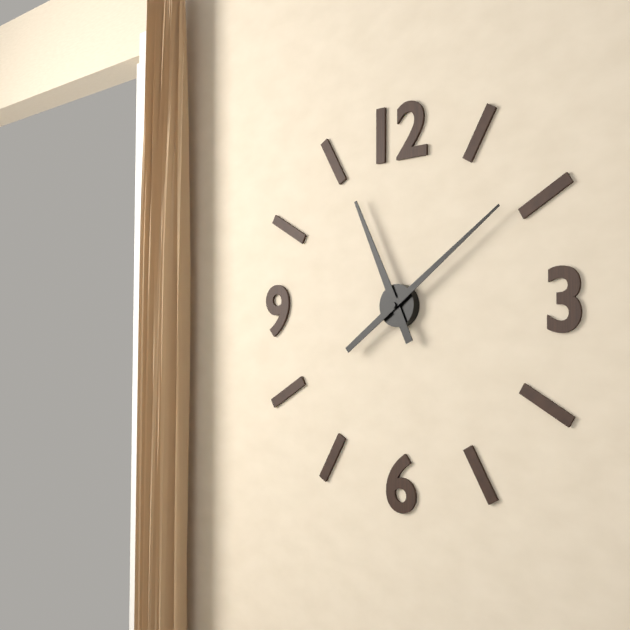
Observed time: 11:09
